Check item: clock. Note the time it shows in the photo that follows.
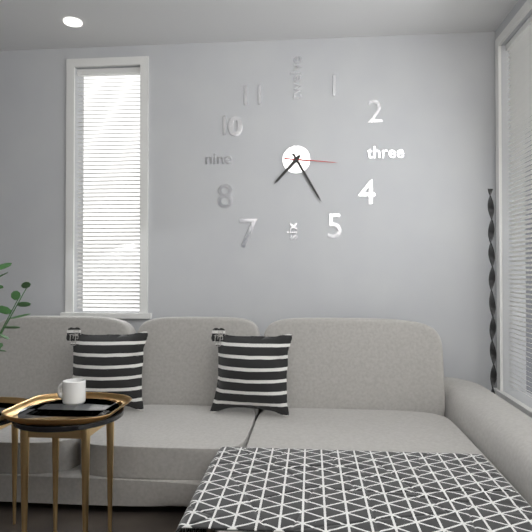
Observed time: 7:25:16
